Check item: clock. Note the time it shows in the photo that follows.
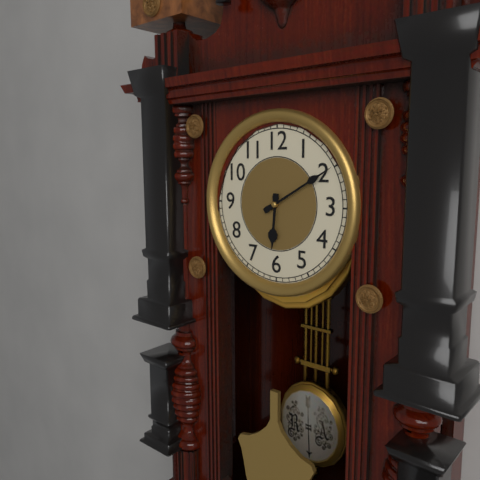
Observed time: 6:10
